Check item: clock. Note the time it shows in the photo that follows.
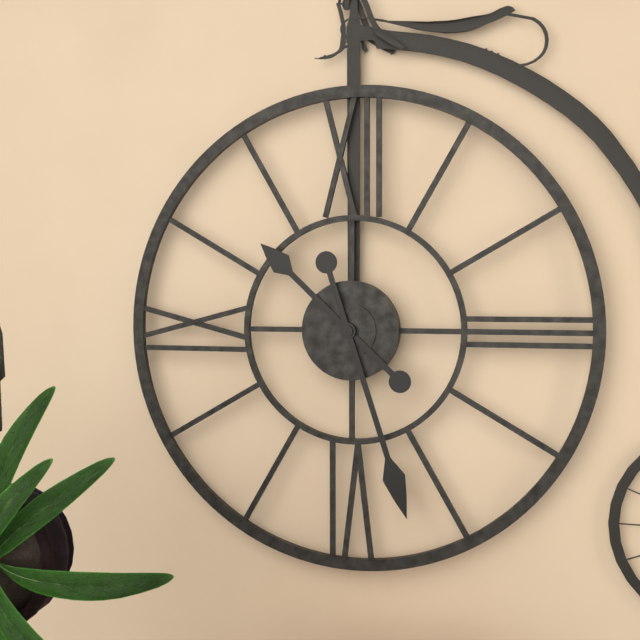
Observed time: 10:27
